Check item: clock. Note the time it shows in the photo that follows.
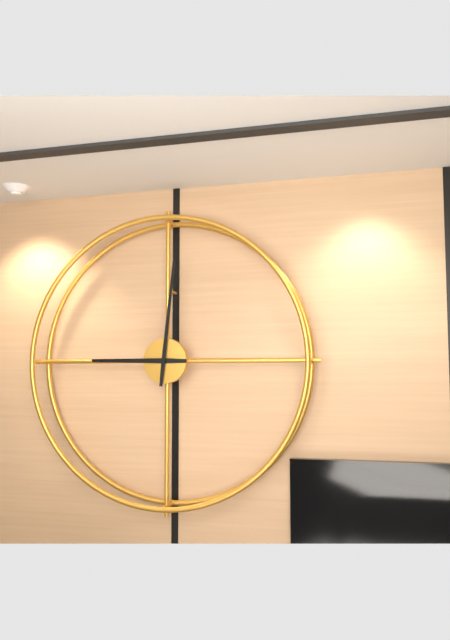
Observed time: 9:01
